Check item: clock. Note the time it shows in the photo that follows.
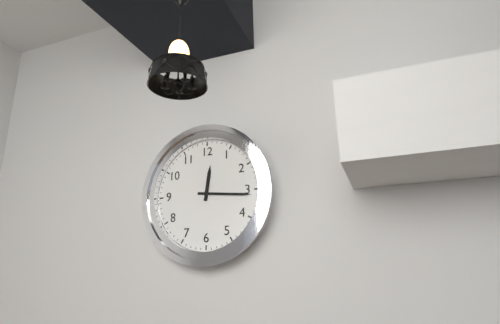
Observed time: 12:16
